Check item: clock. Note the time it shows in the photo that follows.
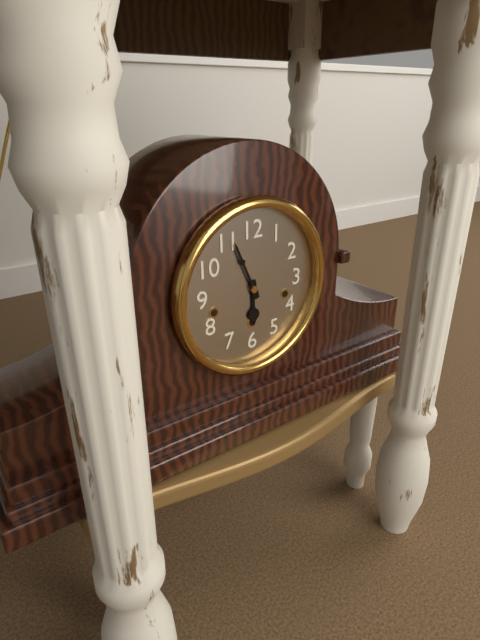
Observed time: 5:56
